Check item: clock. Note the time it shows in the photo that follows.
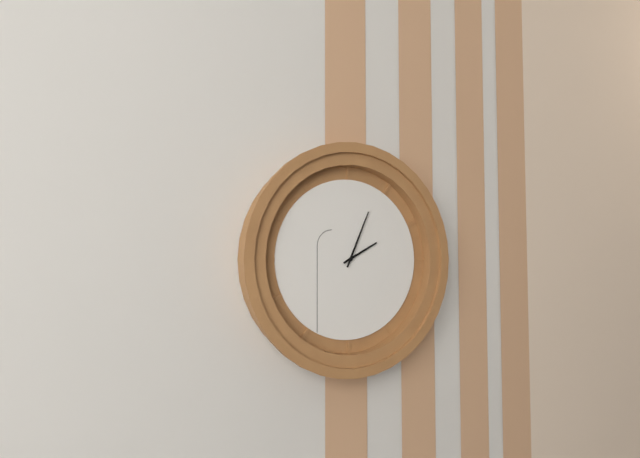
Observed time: 2:04
